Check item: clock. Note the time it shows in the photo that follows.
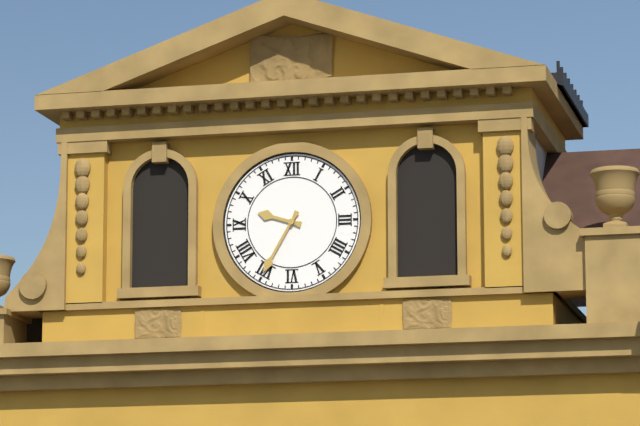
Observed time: 9:35
